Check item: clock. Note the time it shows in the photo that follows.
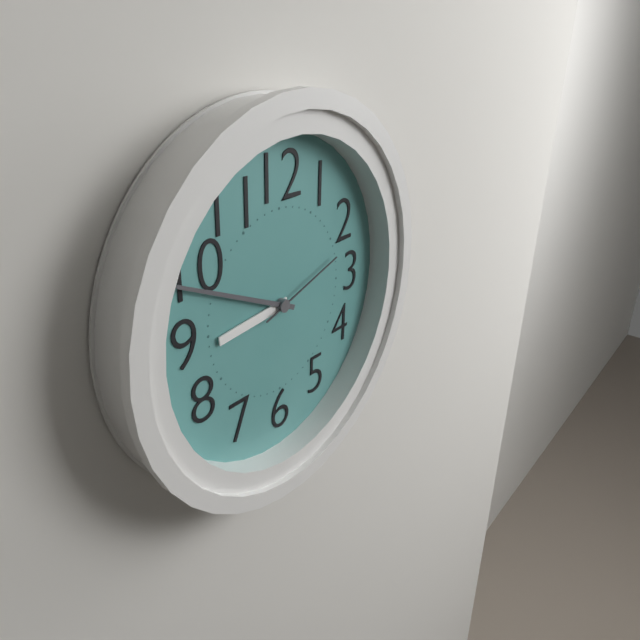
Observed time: 8:49:12
